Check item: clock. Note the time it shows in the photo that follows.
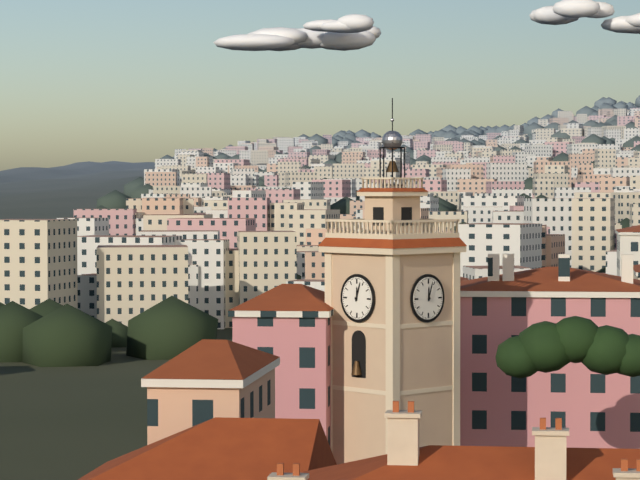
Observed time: 12:03
